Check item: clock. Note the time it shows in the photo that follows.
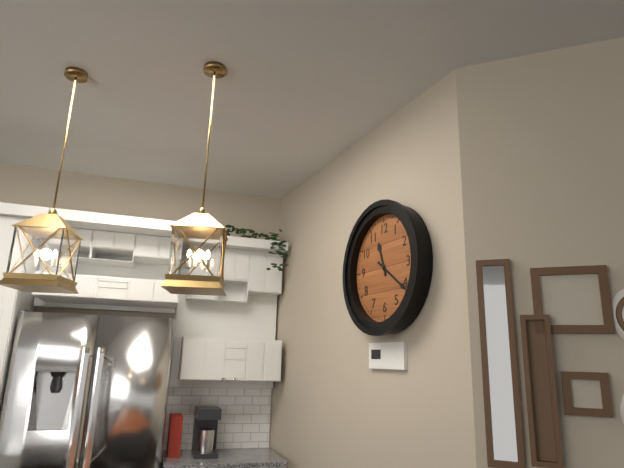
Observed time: 11:21
